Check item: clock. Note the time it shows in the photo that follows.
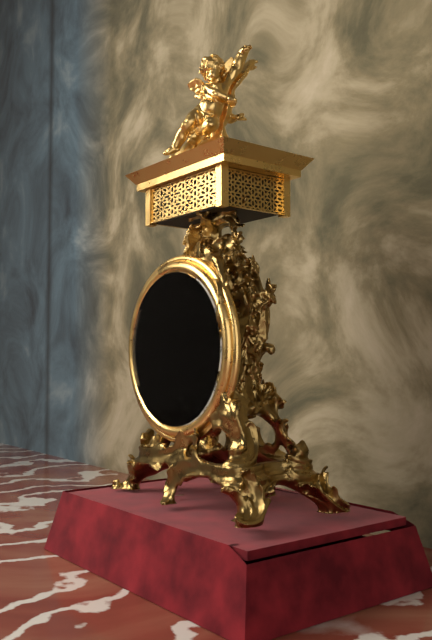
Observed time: 1:04
